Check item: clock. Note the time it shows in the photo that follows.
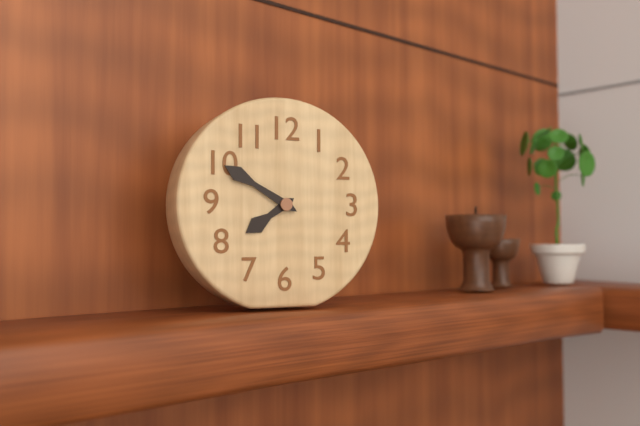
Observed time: 7:50
